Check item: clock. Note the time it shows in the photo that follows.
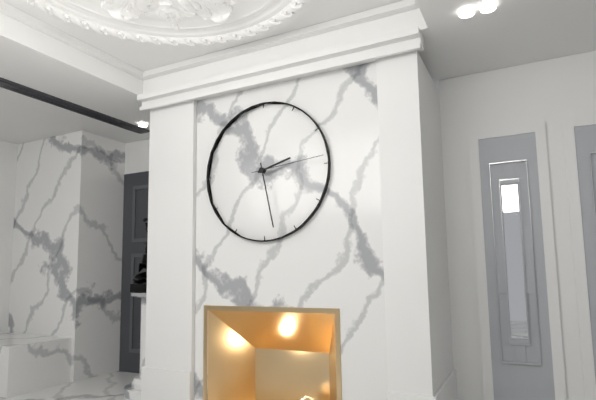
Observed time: 2:28:14
